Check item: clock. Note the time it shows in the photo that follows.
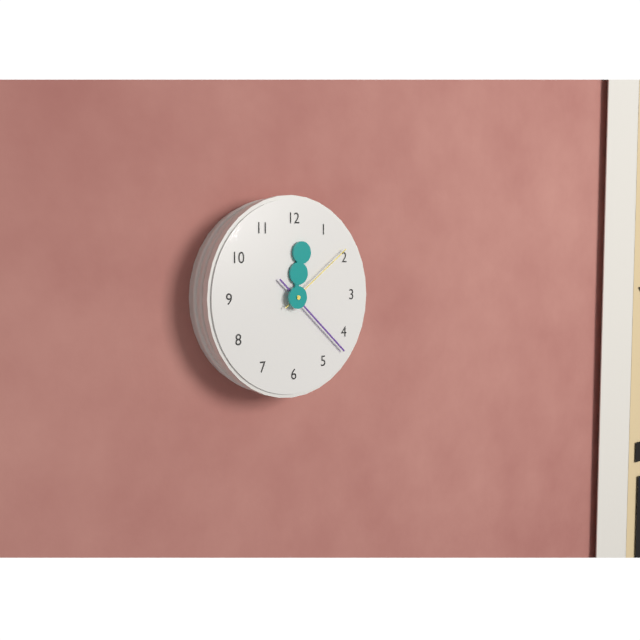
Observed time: 12:22:09
